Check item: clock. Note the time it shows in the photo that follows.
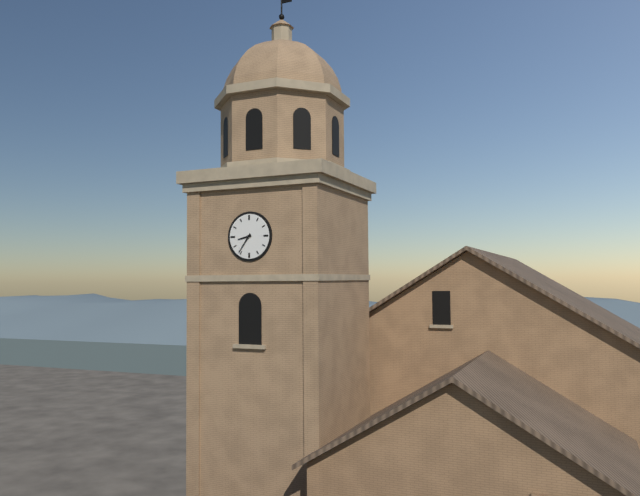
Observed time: 8:36
